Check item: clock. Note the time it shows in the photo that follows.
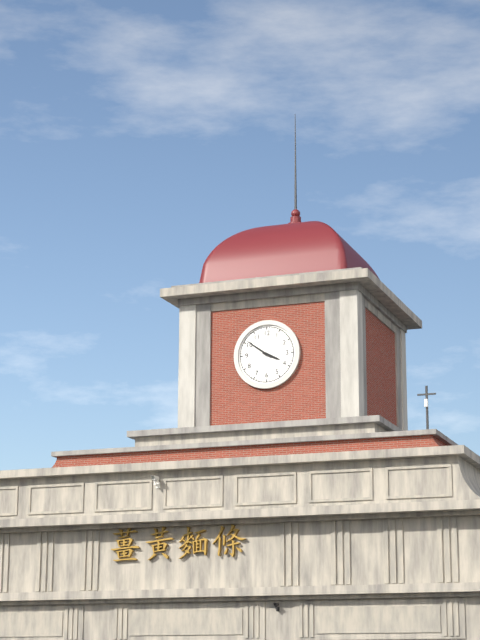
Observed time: 3:51
